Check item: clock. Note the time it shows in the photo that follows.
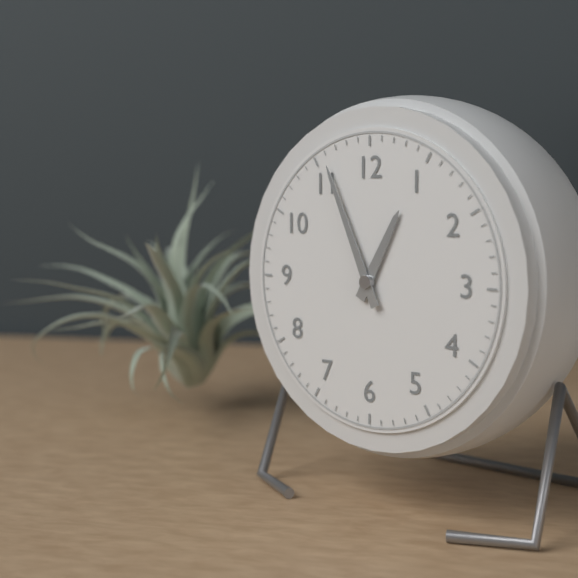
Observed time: 12:56
